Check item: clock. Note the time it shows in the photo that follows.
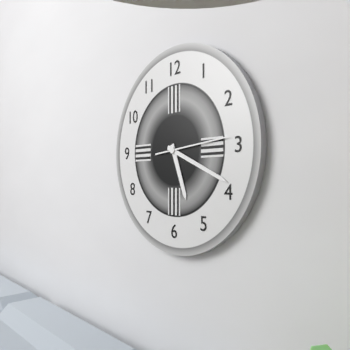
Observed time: 5:19:14
